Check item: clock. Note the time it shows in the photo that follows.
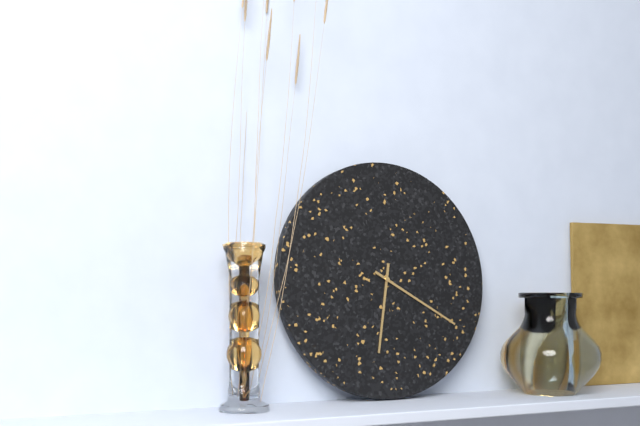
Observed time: 6:20
